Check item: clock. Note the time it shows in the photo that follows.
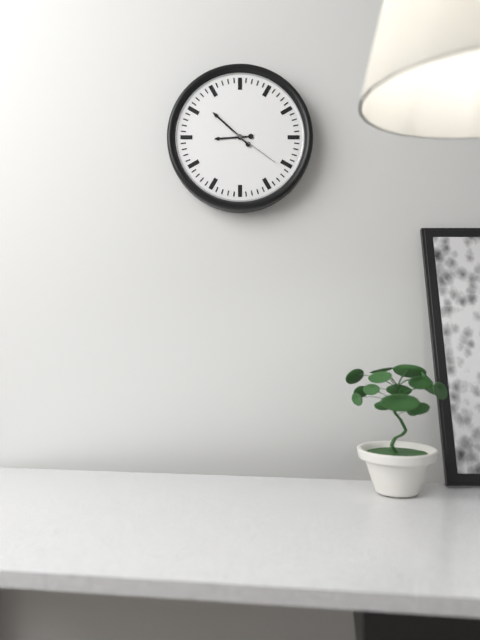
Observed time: 8:52:21
